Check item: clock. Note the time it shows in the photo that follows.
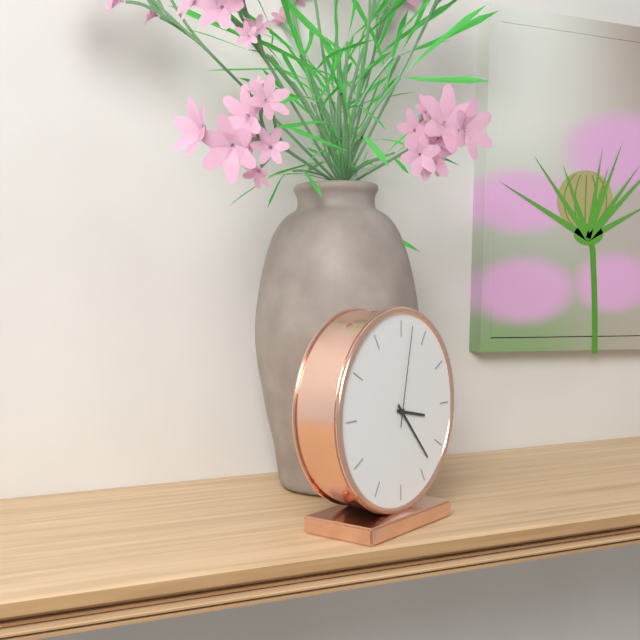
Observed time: 3:23:02
